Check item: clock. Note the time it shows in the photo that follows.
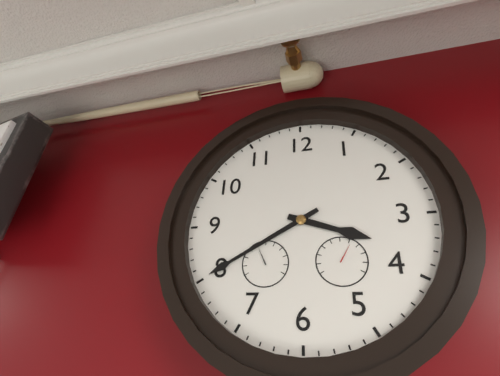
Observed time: 3:40
